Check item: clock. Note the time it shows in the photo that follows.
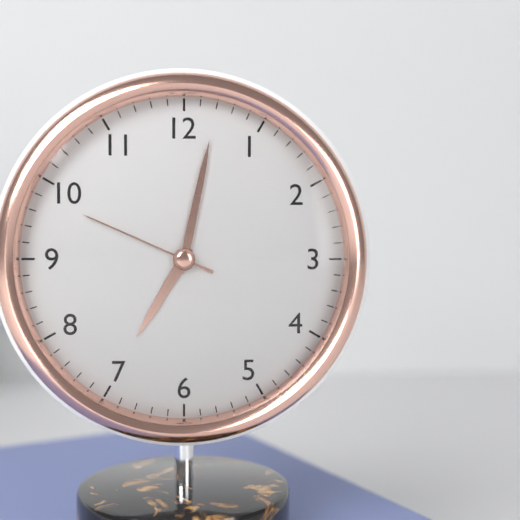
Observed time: 7:02:49
